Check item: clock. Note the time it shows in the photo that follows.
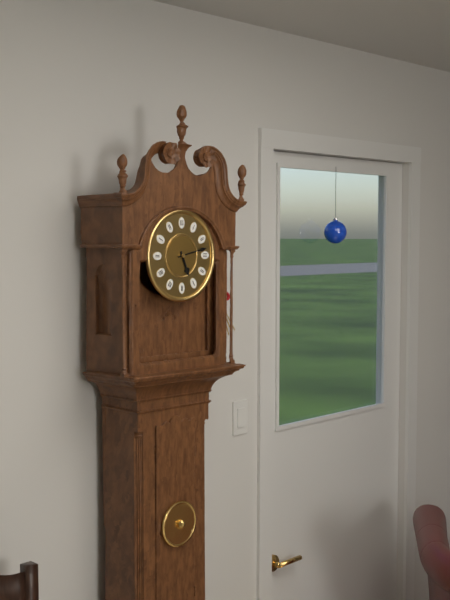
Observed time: 5:13
